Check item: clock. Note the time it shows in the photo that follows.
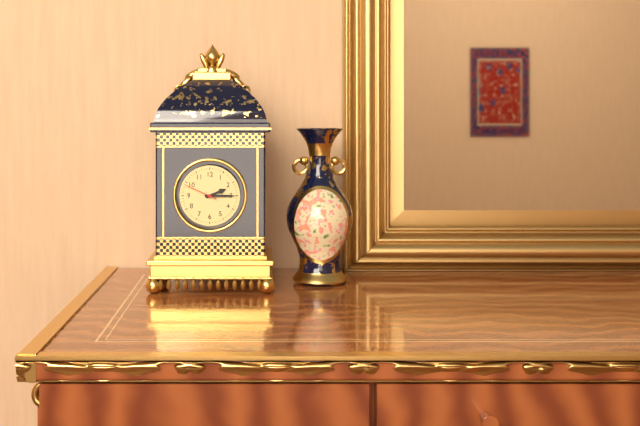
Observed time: 2:15
